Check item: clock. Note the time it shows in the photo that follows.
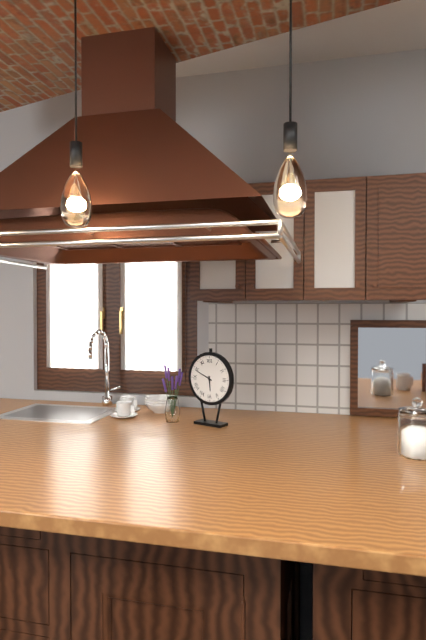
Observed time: 5:49
